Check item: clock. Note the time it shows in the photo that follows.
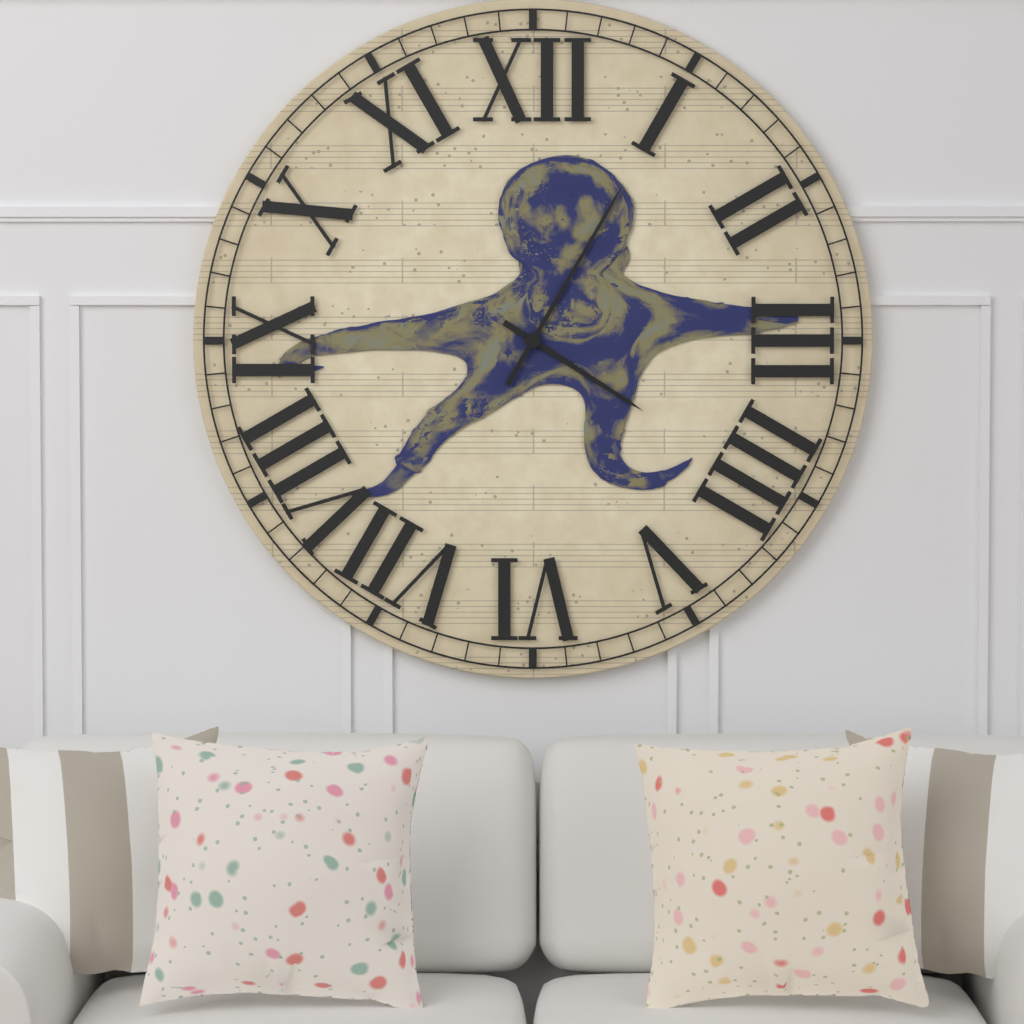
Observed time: 4:05
